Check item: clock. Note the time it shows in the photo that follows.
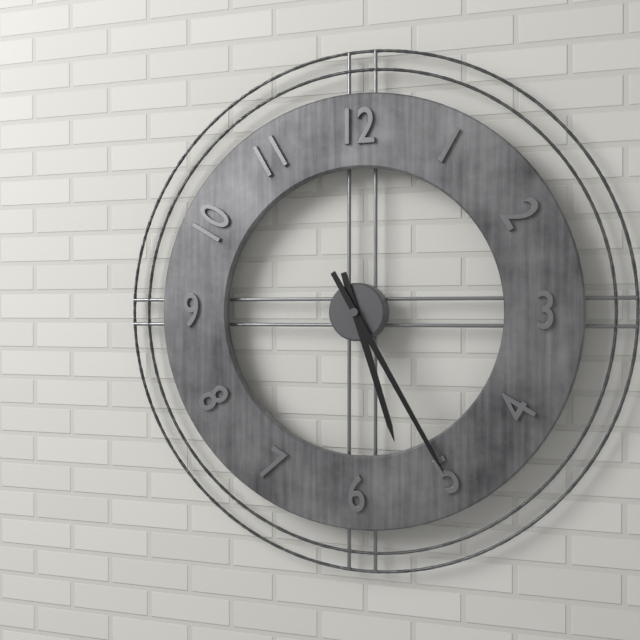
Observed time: 5:25
